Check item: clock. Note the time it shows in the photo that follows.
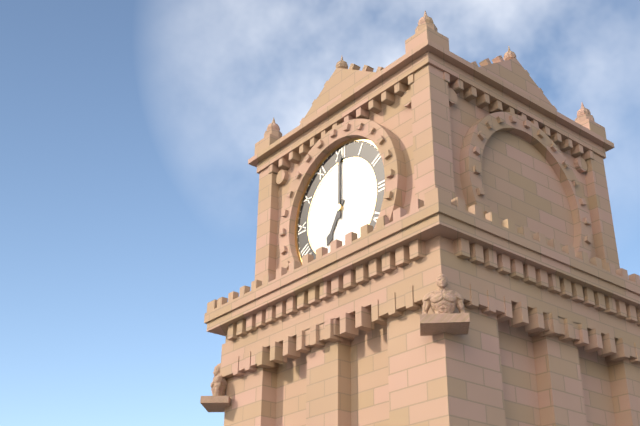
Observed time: 7:00
